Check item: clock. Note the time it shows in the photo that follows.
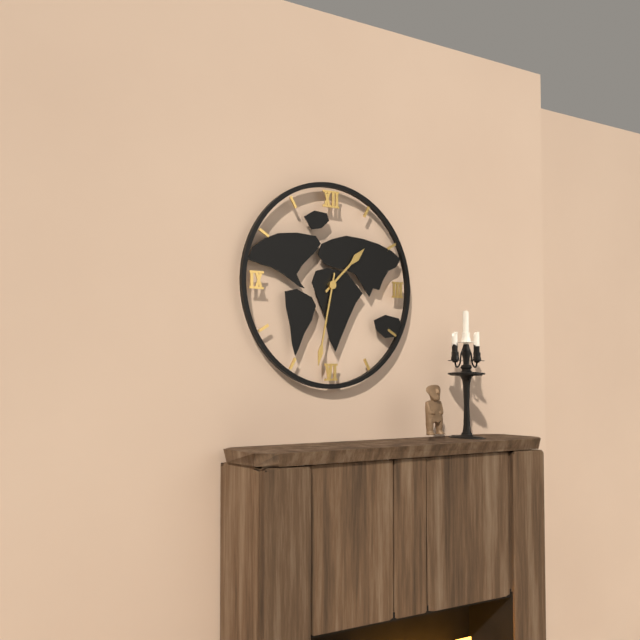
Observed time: 1:32
